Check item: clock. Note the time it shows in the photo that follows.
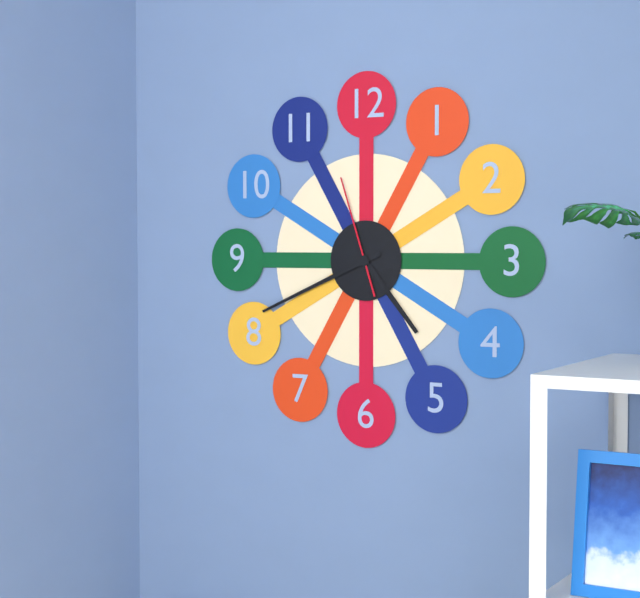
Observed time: 4:41:57
